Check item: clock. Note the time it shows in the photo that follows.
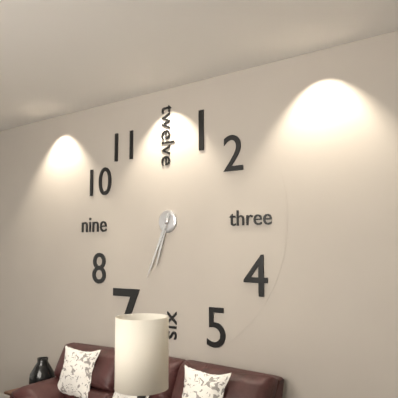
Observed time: 6:34
